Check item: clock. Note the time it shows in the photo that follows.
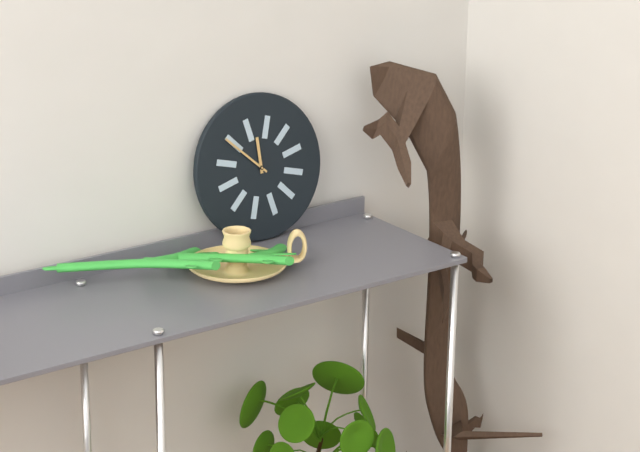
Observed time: 11:52
